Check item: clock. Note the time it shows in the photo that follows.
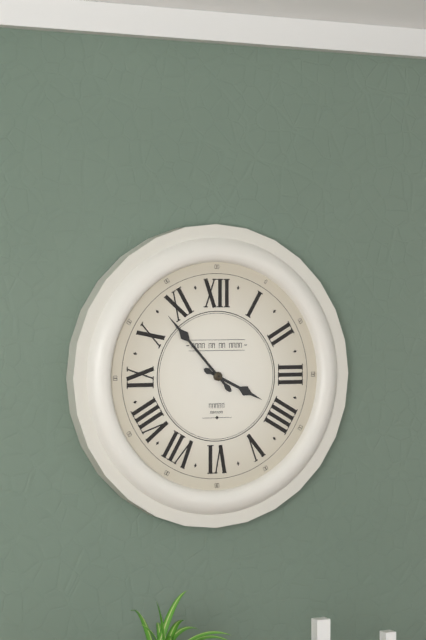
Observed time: 3:53
